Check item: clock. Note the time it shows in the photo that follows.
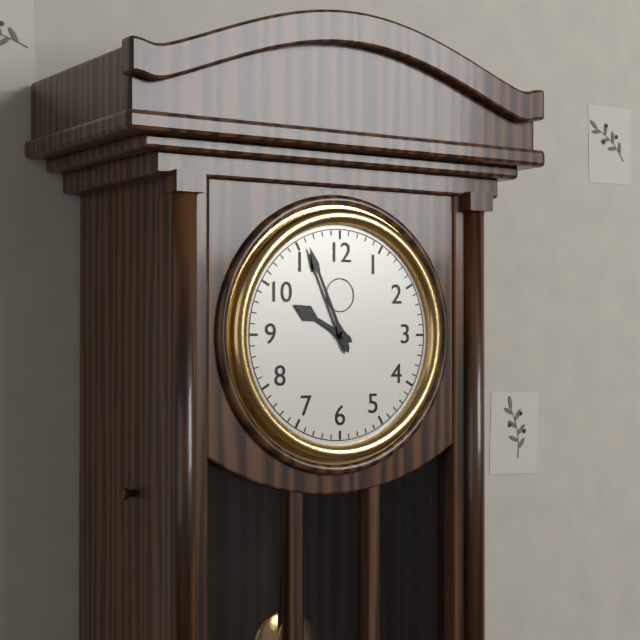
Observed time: 9:56
